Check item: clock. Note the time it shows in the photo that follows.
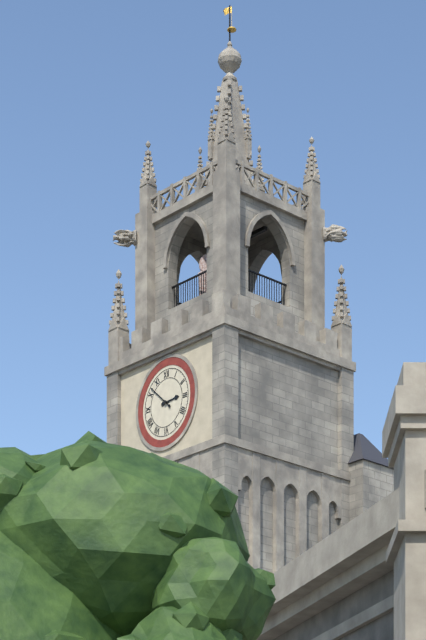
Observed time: 2:52
